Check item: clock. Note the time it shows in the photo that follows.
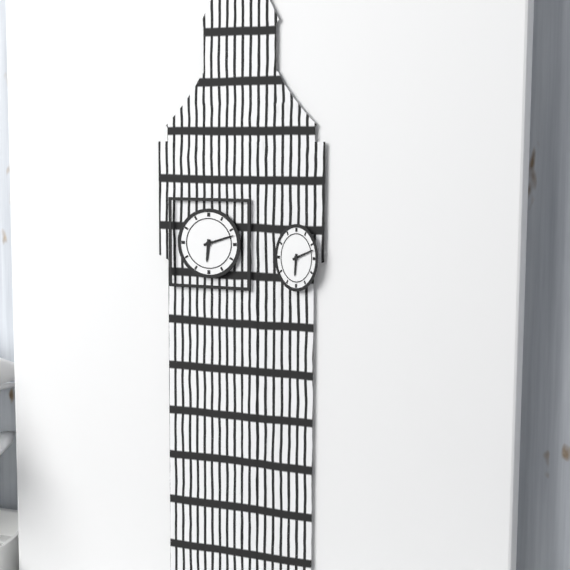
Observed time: 6:12
